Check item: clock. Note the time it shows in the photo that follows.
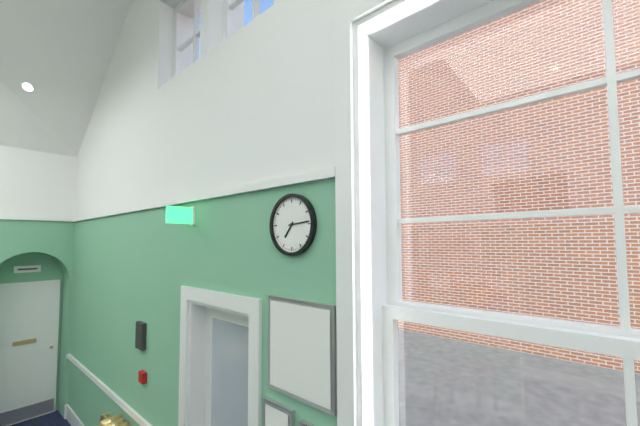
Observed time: 7:14
